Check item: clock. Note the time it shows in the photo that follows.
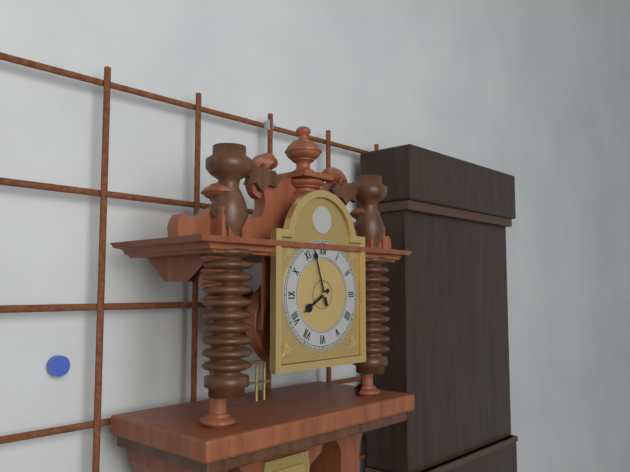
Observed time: 7:57
